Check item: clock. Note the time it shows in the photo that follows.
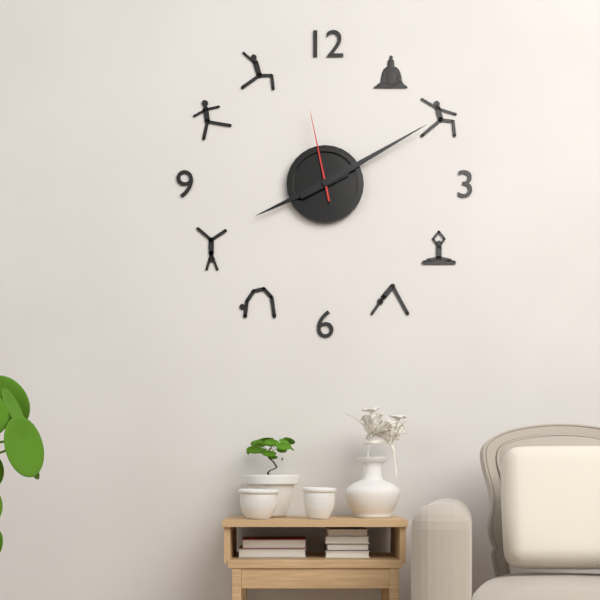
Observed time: 8:10:58
